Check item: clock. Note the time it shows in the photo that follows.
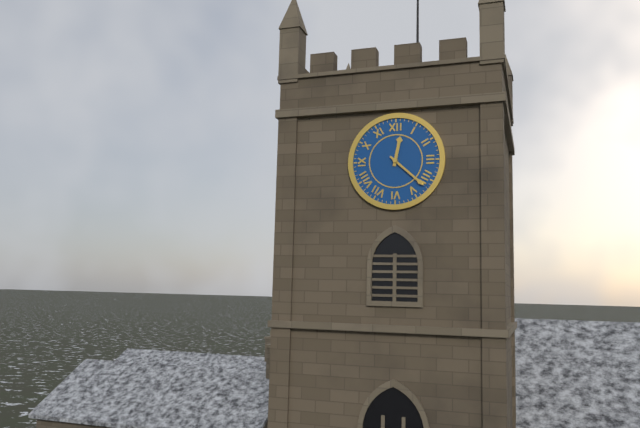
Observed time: 12:22
